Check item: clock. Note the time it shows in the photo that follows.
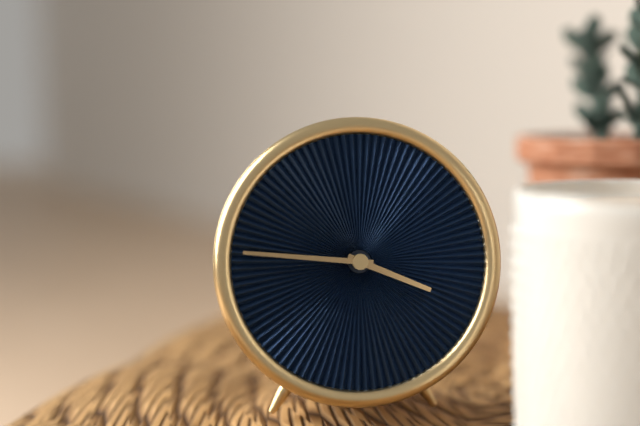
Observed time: 3:46
